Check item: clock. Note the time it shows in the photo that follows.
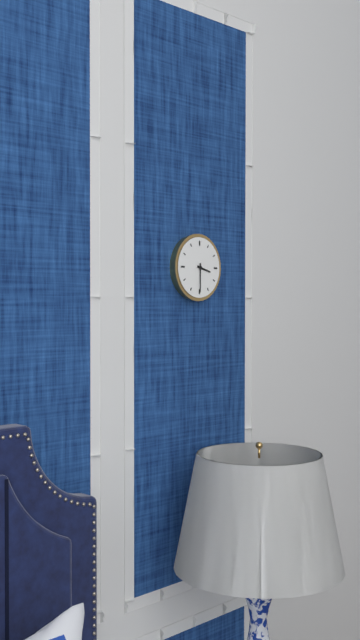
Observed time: 3:30
